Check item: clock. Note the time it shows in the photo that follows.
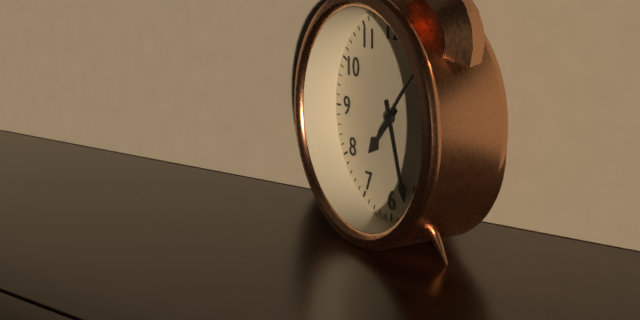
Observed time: 7:27
